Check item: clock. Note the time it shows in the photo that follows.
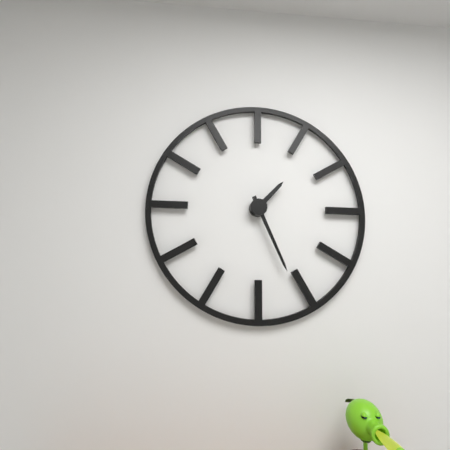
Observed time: 1:26
